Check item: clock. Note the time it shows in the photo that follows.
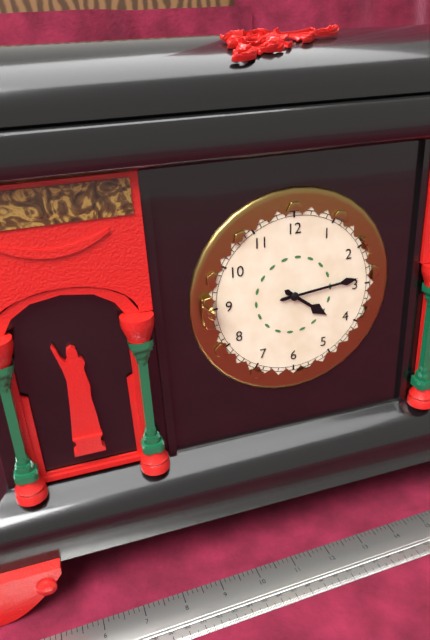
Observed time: 4:14
